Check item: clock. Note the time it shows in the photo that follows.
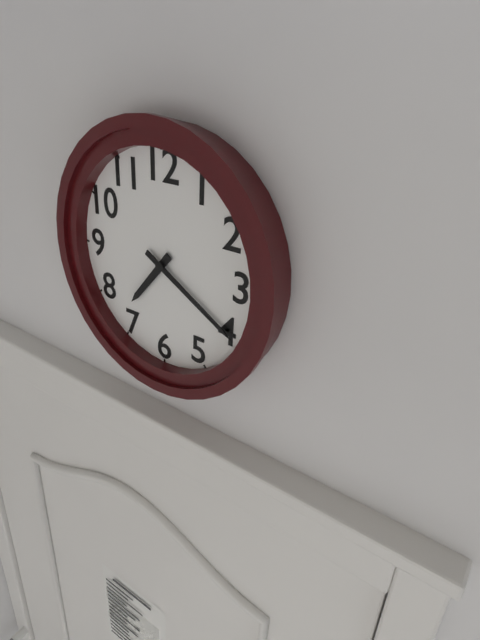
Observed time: 7:20
